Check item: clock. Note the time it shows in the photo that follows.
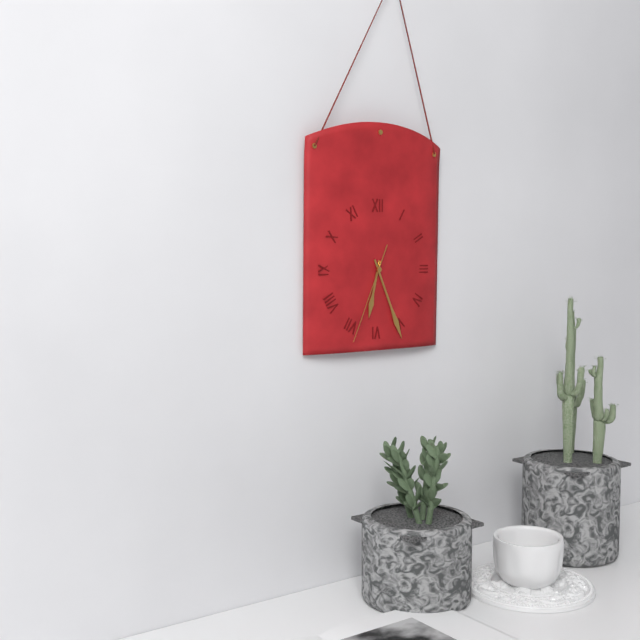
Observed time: 6:26:34
